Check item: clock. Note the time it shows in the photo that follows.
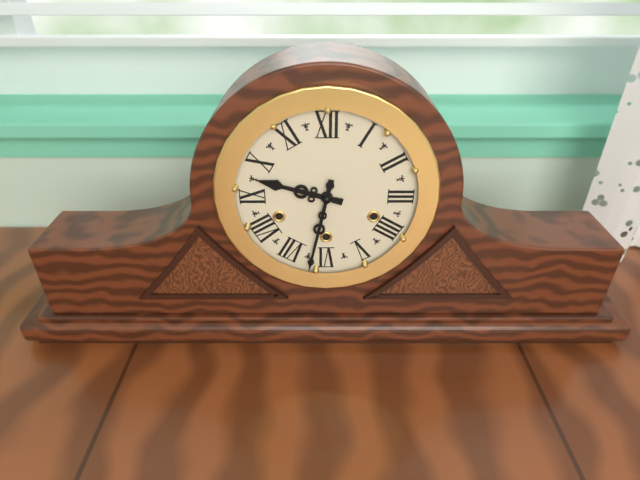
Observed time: 9:32
